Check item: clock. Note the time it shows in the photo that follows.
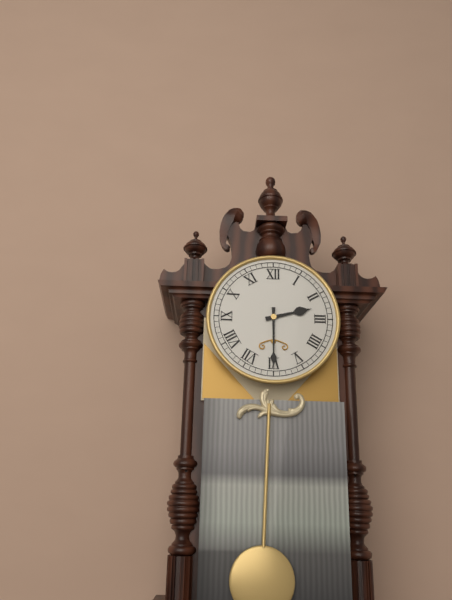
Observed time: 2:30
